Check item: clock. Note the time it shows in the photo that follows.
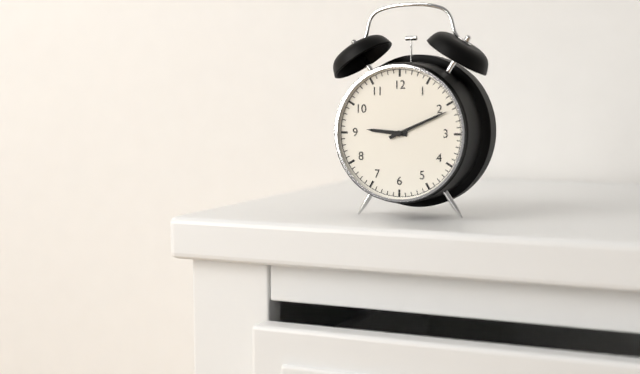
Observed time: 9:11
